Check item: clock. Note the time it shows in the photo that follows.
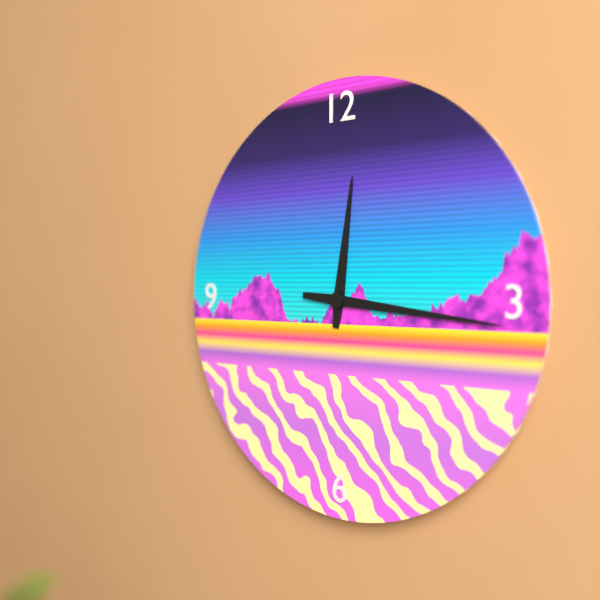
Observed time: 12:16
